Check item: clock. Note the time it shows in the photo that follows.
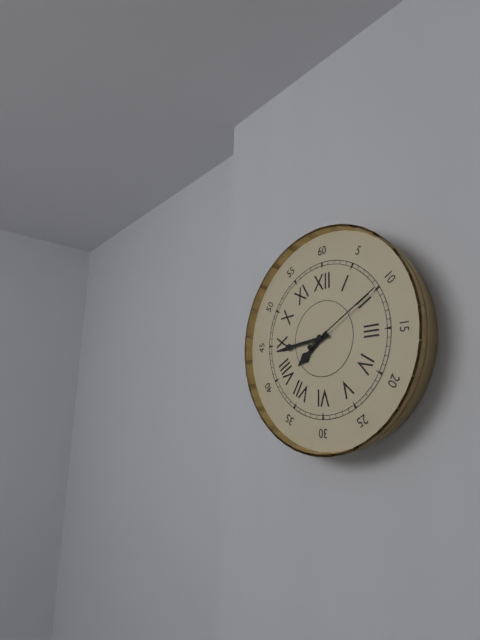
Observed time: 7:44:10
